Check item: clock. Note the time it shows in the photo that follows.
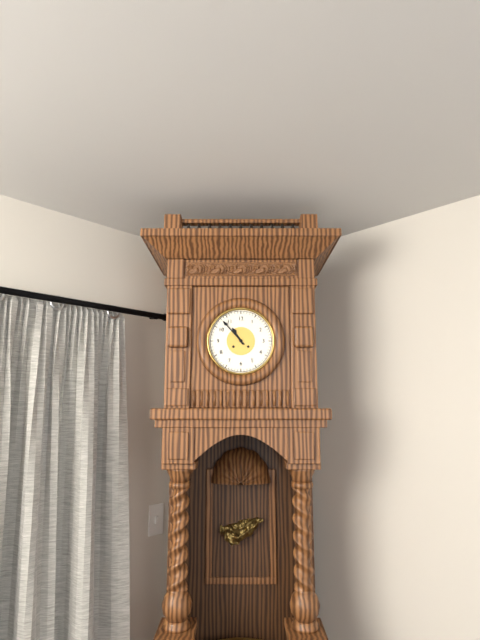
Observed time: 10:53
